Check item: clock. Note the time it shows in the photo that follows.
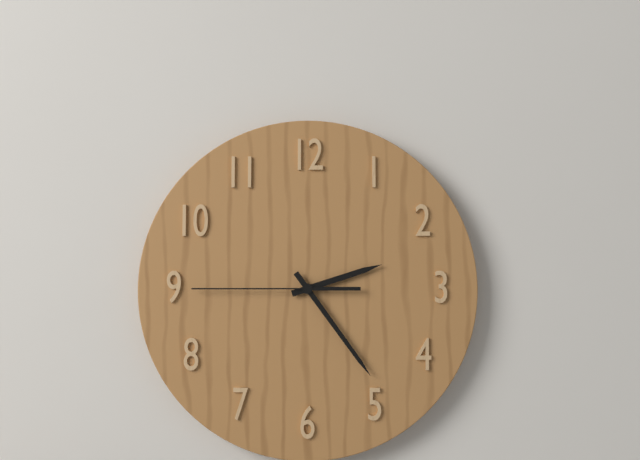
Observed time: 2:24:45
